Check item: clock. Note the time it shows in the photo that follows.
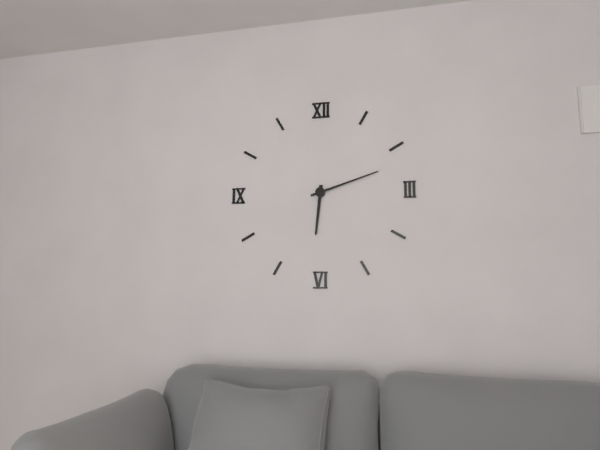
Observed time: 6:12
